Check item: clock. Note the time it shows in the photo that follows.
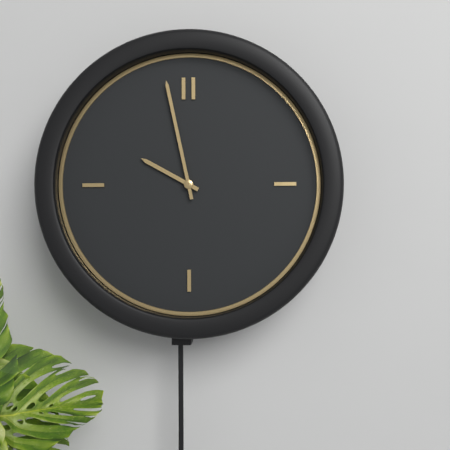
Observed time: 9:58
